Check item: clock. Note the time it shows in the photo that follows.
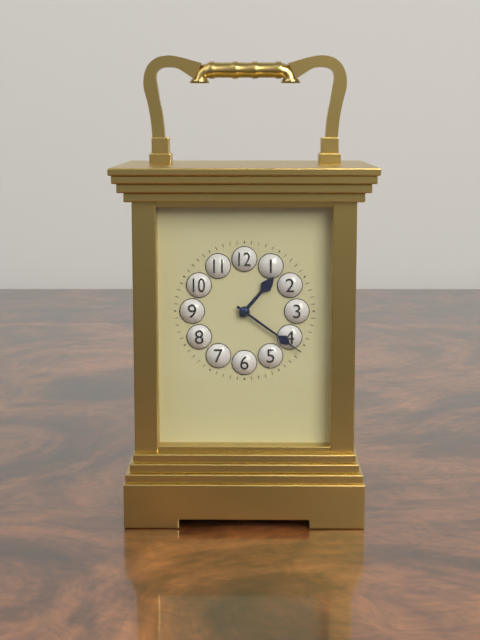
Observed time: 1:21
